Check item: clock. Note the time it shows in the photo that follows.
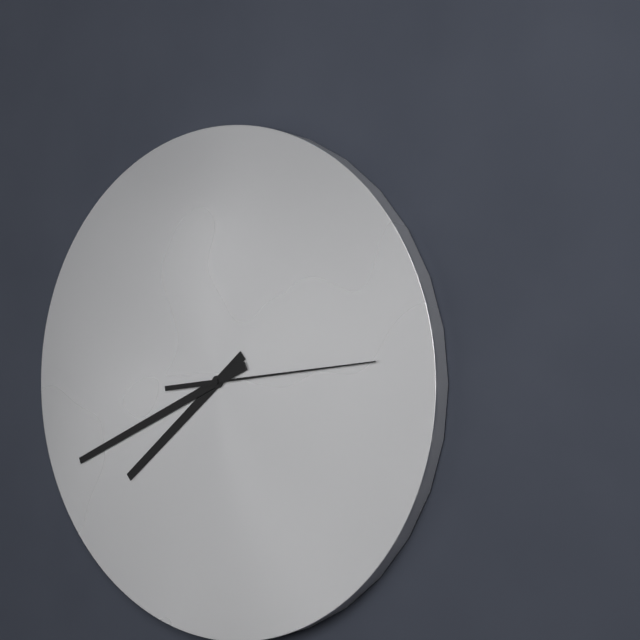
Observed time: 7:41:14
